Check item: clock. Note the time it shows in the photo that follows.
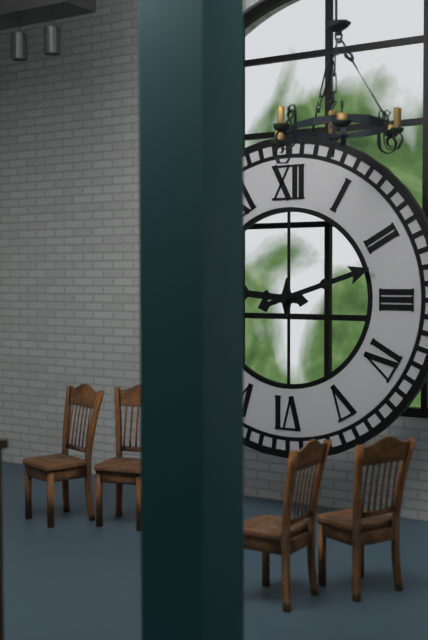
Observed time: 9:12
